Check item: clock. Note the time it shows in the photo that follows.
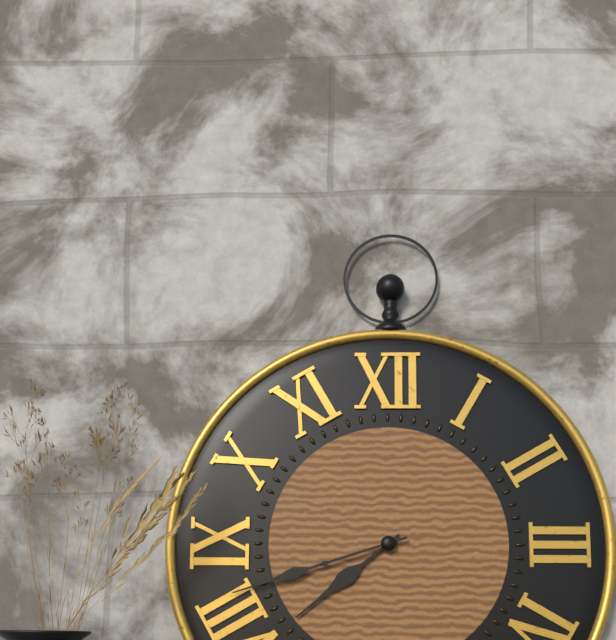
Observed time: 7:42
